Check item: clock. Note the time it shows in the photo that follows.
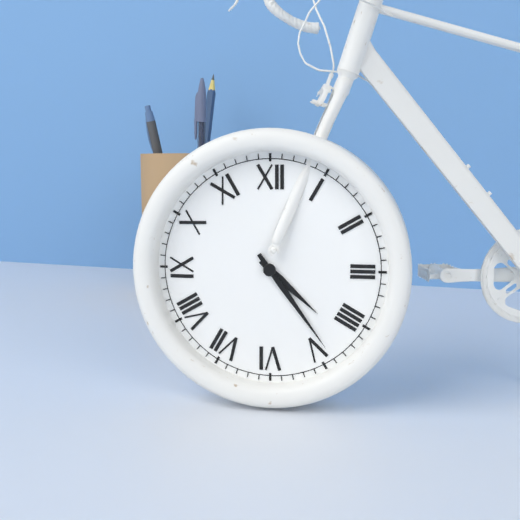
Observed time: 4:24
